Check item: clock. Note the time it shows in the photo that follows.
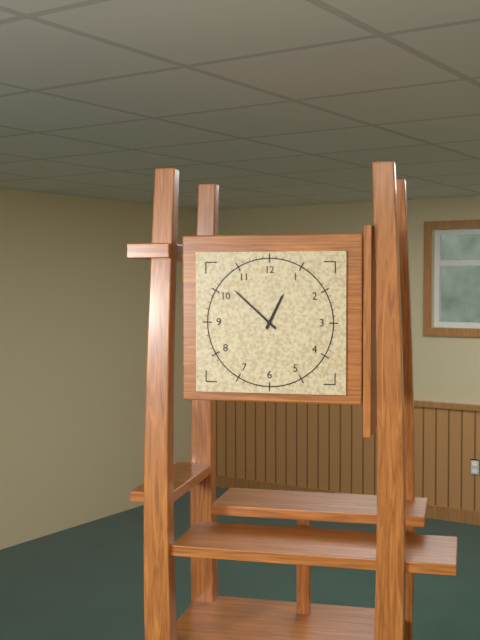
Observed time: 12:52
